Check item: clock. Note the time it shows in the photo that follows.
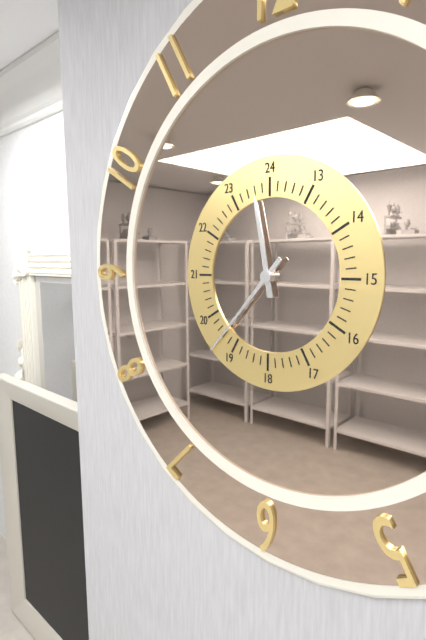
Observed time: 11:37
